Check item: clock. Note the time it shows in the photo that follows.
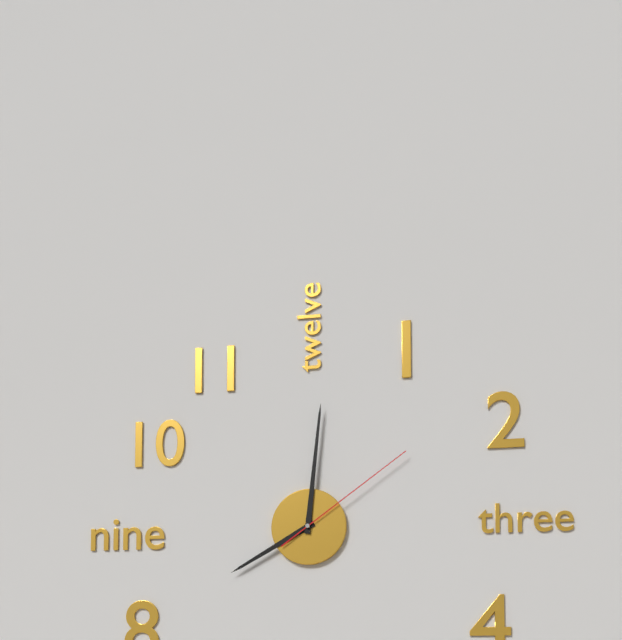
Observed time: 8:01:09
